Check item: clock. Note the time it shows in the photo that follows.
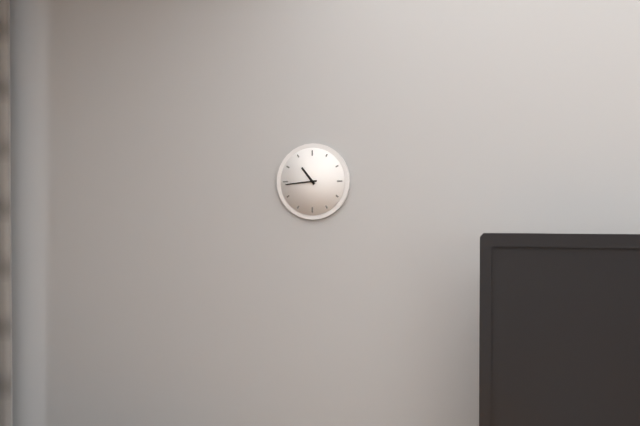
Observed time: 10:44
